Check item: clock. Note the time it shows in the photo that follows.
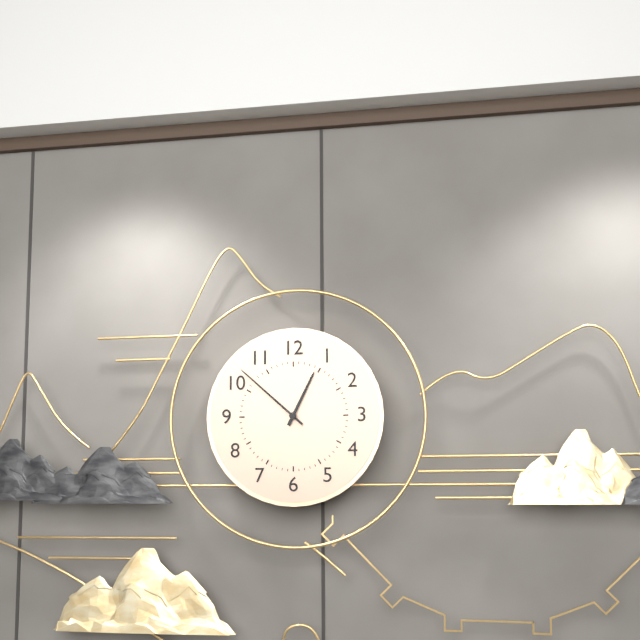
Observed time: 12:52
